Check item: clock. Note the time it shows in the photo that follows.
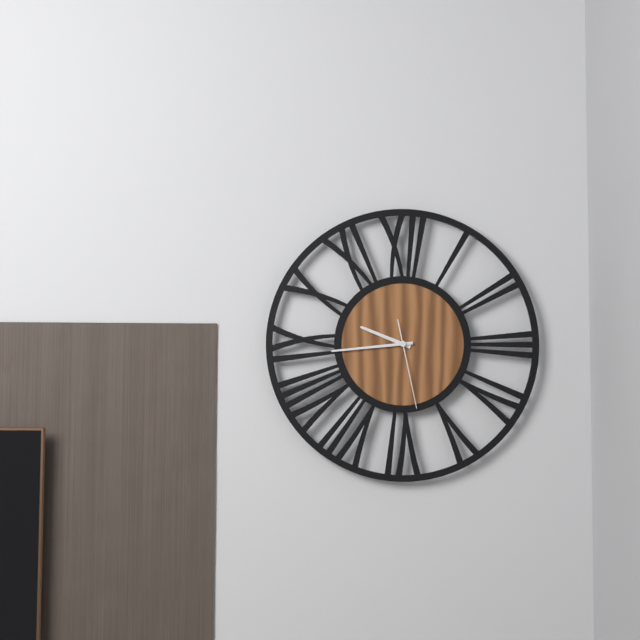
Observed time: 9:44:28
